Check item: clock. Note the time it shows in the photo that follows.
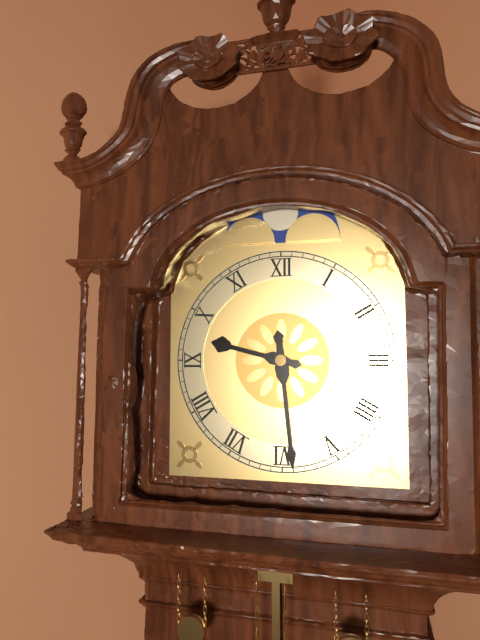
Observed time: 9:29
